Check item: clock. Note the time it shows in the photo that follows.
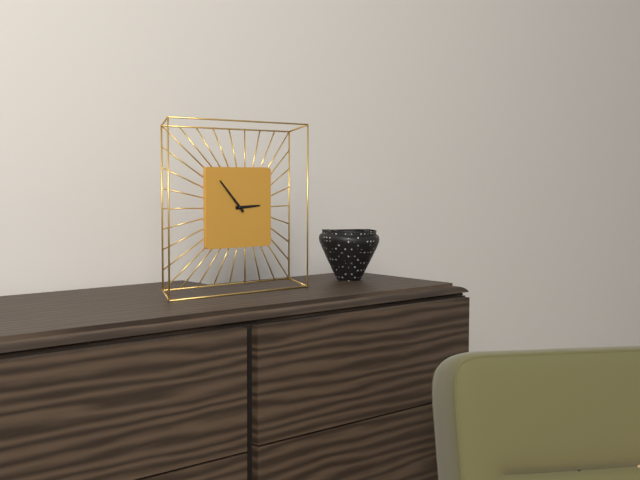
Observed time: 2:53
